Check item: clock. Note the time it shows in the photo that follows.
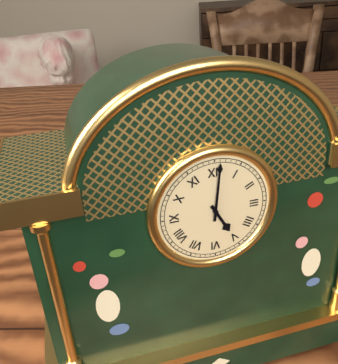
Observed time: 5:01
